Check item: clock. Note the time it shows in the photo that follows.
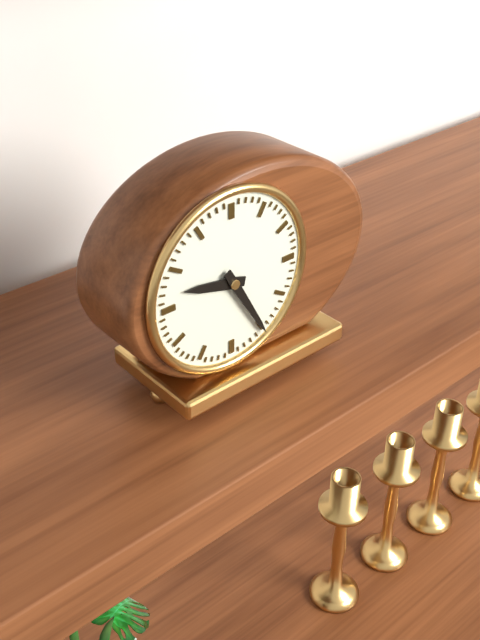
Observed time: 9:25
